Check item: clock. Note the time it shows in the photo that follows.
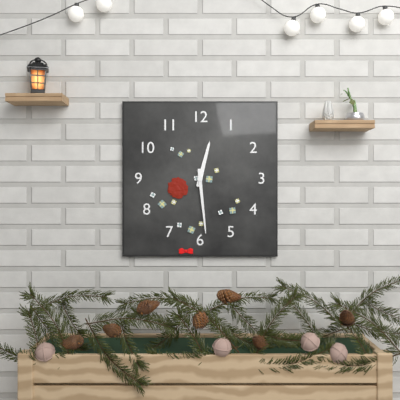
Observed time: 12:29
